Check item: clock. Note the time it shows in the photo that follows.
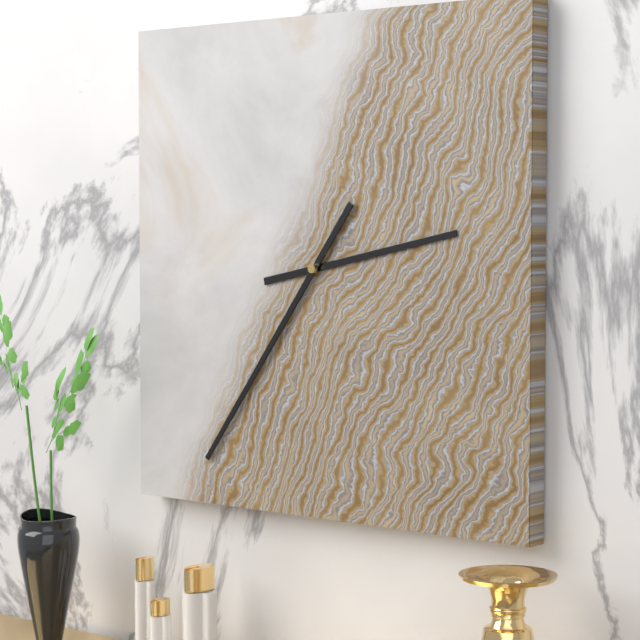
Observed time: 2:36
